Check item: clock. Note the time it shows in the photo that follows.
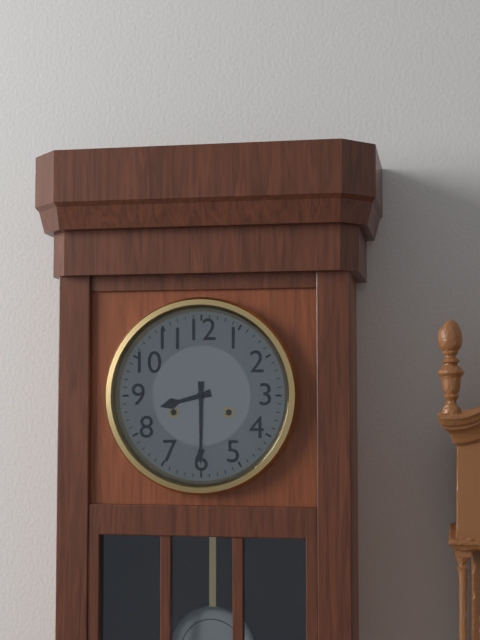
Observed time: 8:30
